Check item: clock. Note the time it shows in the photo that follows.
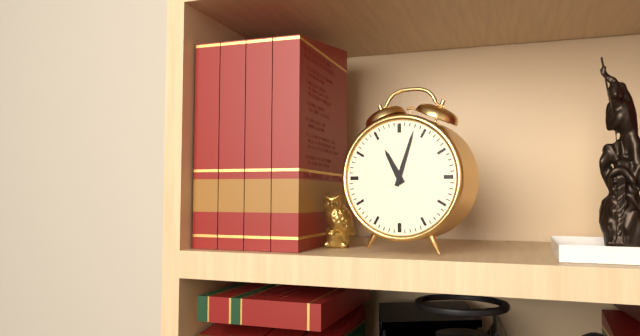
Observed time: 11:03
